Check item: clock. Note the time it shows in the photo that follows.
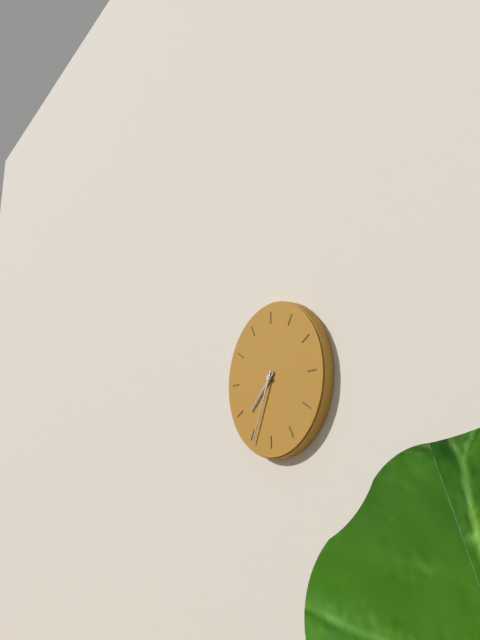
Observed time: 7:34
